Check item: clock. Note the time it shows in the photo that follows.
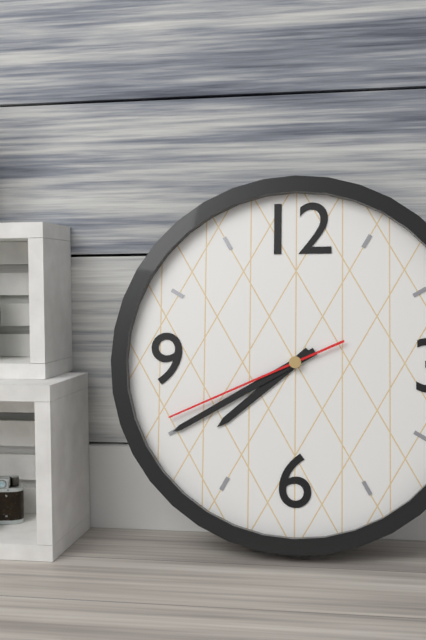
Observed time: 7:40:41
